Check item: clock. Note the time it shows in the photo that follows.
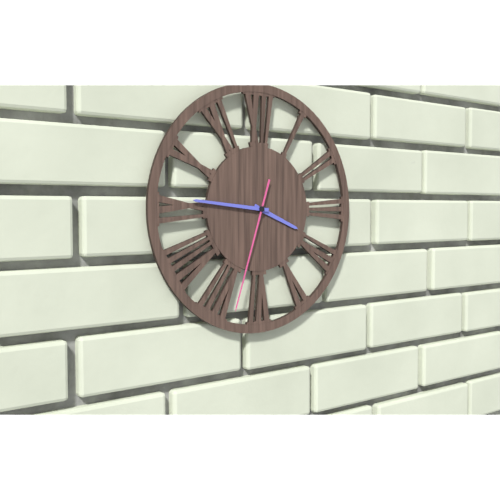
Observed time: 3:46:33
